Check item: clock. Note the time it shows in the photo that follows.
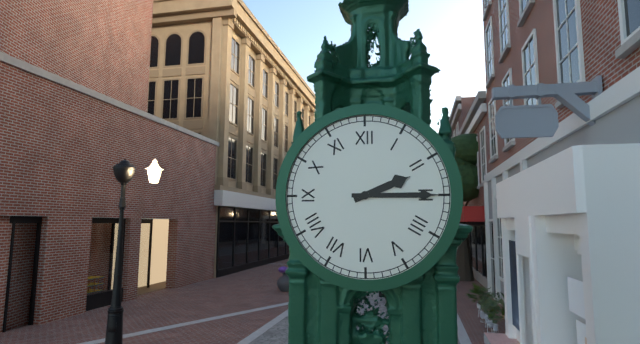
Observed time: 2:15
